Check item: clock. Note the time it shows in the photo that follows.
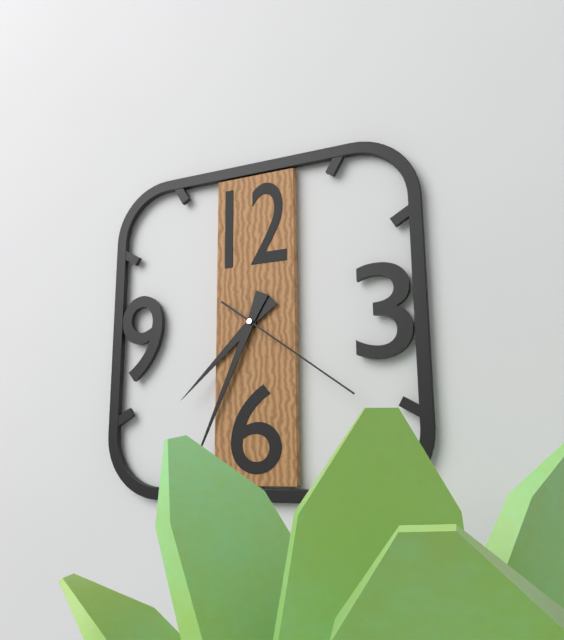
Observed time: 7:34:21
